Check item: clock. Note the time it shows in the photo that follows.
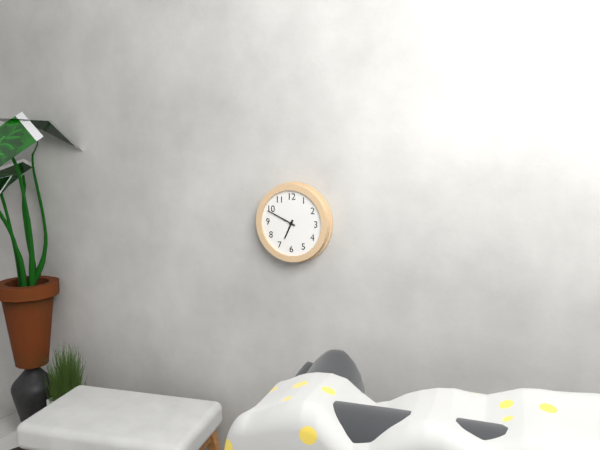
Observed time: 6:49
